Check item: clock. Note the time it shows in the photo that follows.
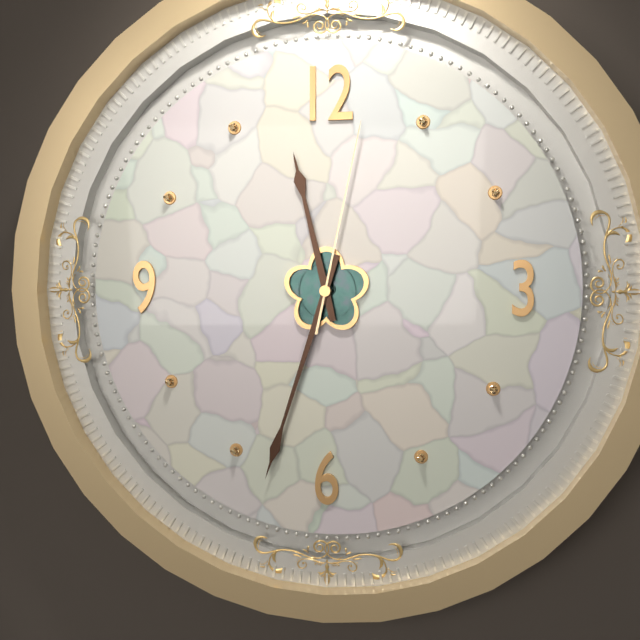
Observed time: 11:33:02
